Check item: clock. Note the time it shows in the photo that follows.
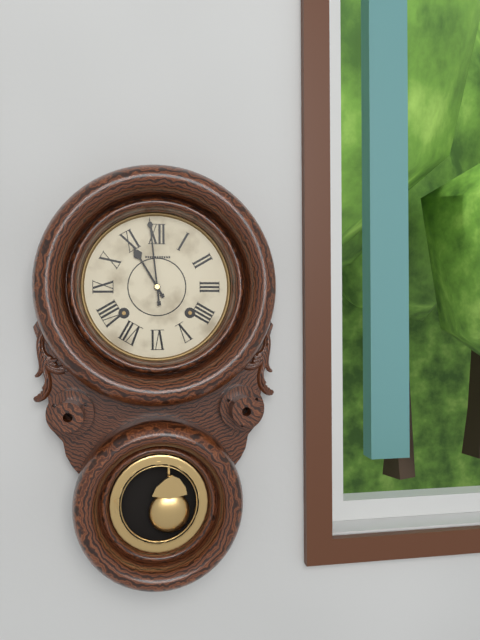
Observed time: 10:59
